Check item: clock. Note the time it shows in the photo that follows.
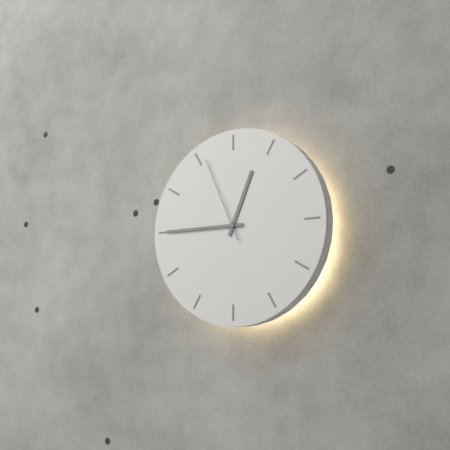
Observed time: 12:45:56
